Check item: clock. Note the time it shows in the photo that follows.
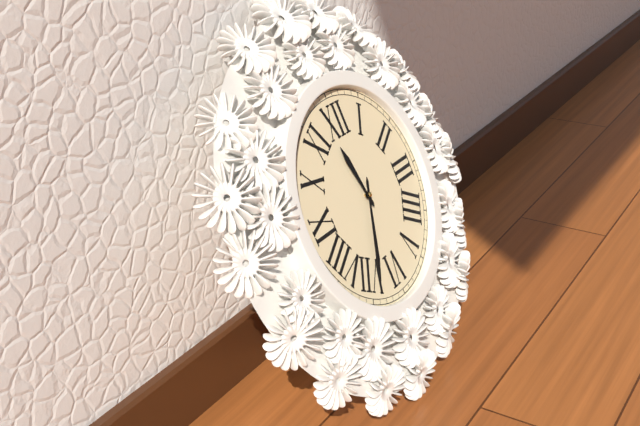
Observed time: 11:34
